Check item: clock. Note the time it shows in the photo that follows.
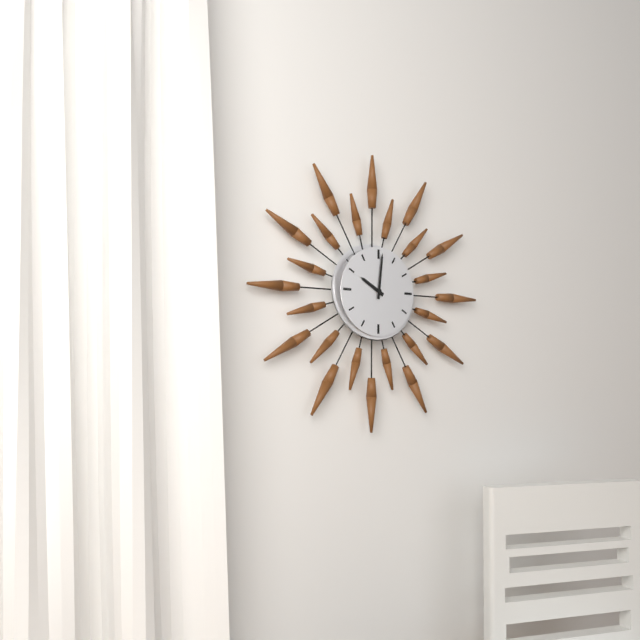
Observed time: 10:01
